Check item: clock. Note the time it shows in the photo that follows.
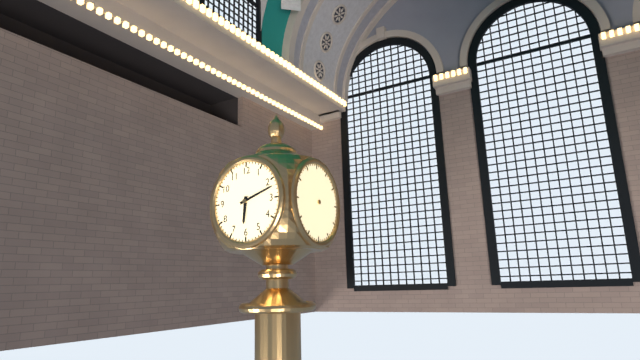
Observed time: 6:12
